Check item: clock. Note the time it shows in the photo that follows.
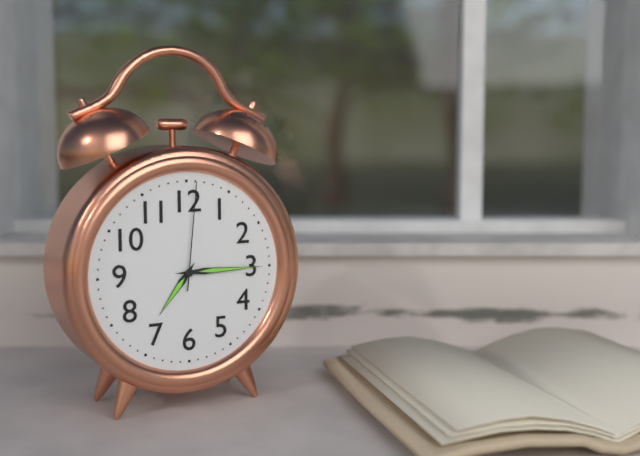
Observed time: 7:15:01
